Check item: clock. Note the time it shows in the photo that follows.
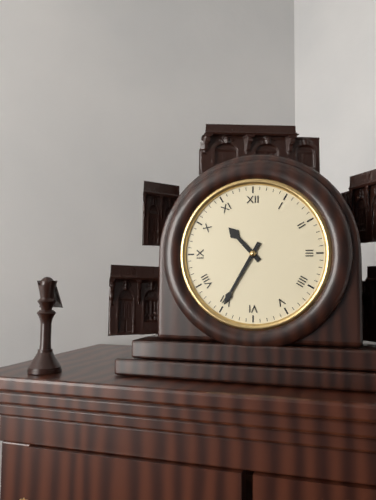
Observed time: 10:35
